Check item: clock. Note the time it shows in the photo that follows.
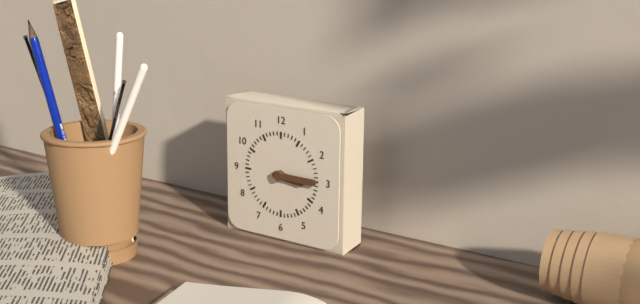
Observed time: 3:15
